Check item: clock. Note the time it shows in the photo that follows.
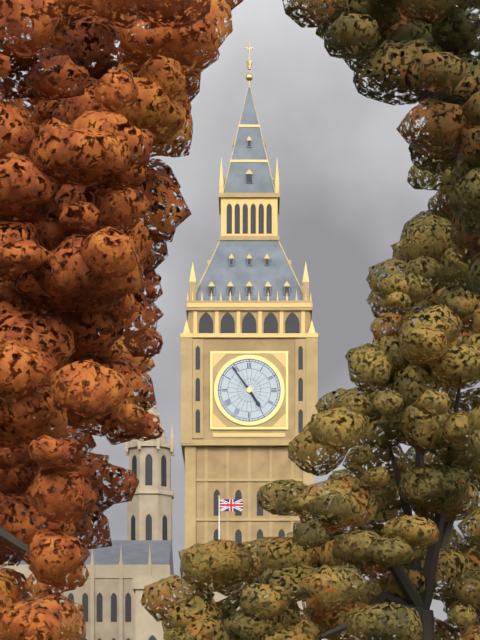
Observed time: 4:54
